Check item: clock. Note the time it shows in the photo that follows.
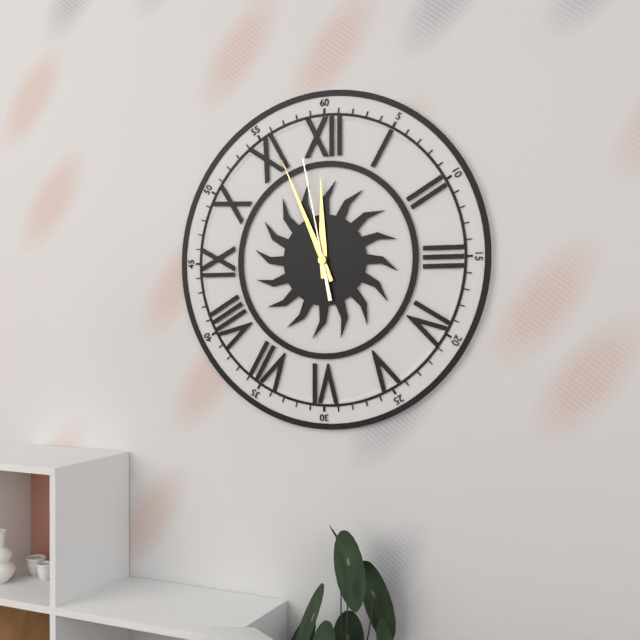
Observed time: 11:56:58
